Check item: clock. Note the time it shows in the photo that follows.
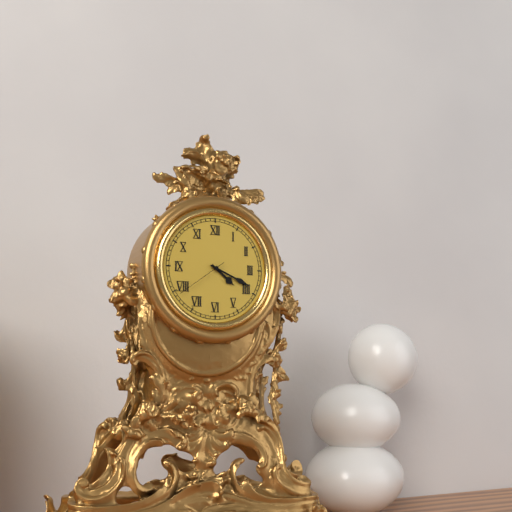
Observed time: 4:19:39
